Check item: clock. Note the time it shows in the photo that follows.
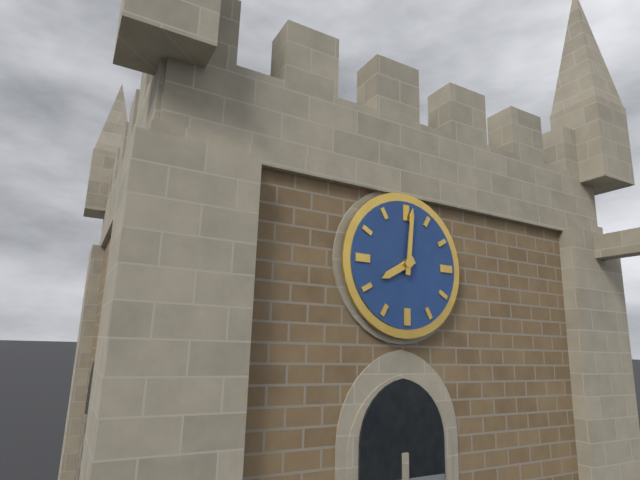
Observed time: 8:01
